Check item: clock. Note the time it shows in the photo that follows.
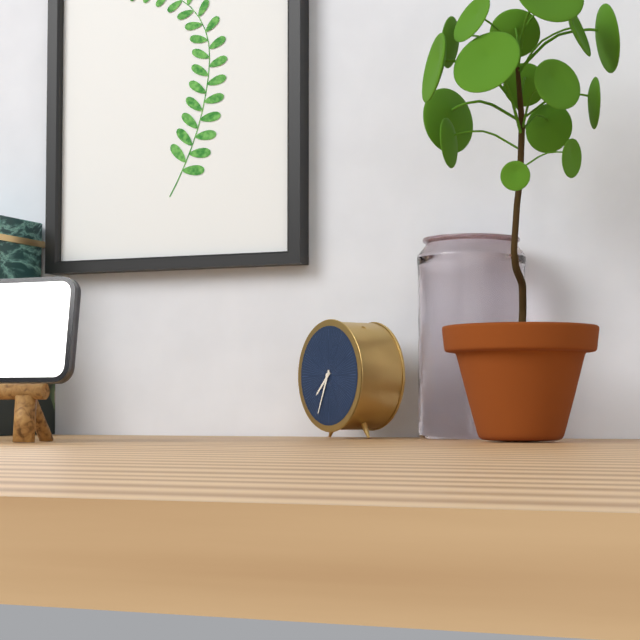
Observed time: 7:34
